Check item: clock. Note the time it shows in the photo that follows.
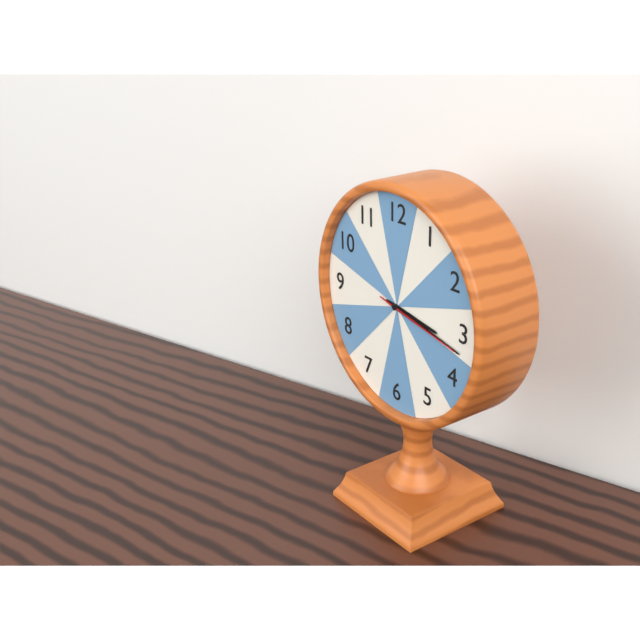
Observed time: 3:17:17
